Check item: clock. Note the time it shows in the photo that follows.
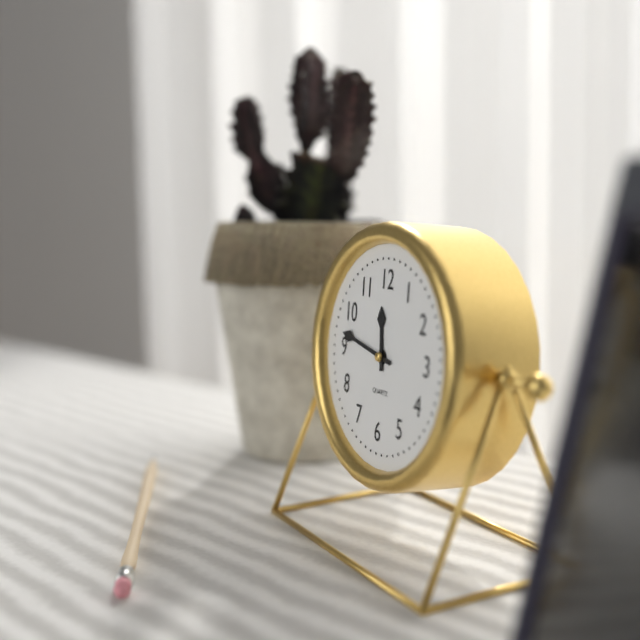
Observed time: 11:47
